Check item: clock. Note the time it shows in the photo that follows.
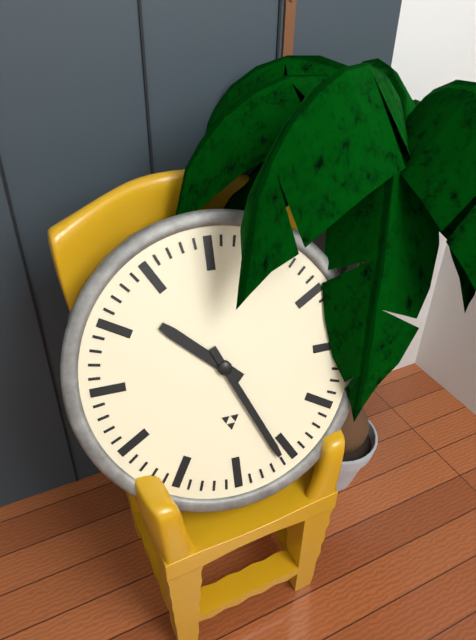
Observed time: 10:26
